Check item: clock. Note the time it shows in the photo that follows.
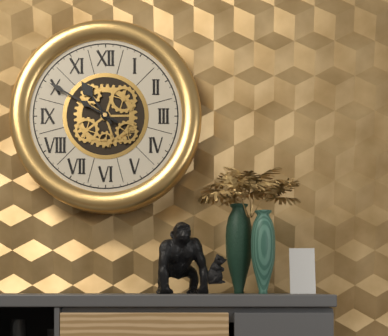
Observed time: 10:50
